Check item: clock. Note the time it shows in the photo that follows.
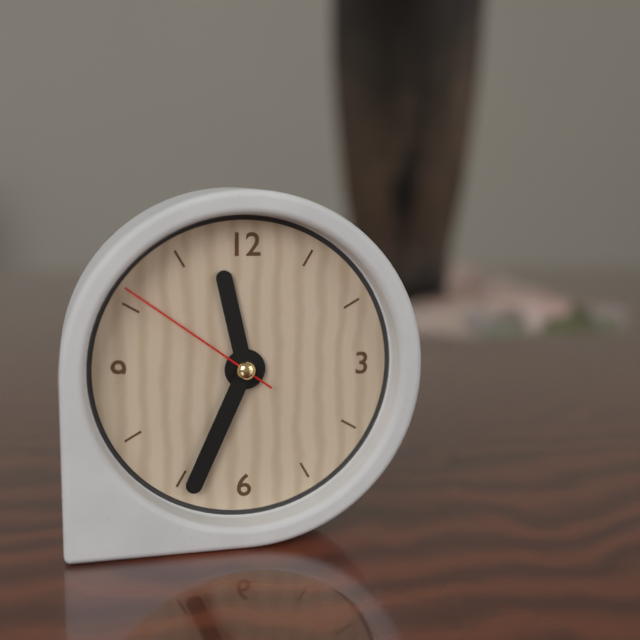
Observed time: 11:34:51
